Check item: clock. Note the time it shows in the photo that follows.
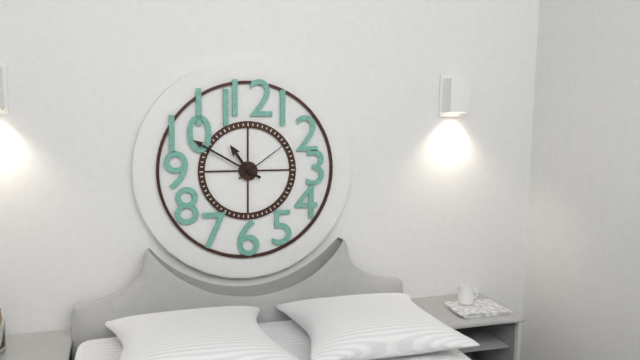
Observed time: 10:50:09
